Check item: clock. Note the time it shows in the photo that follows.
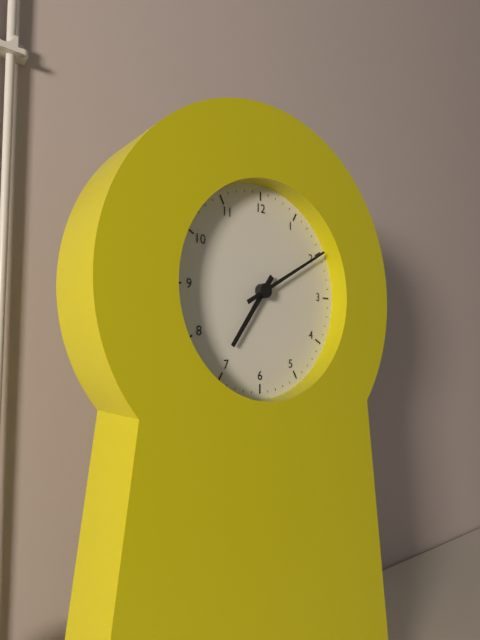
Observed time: 7:10
